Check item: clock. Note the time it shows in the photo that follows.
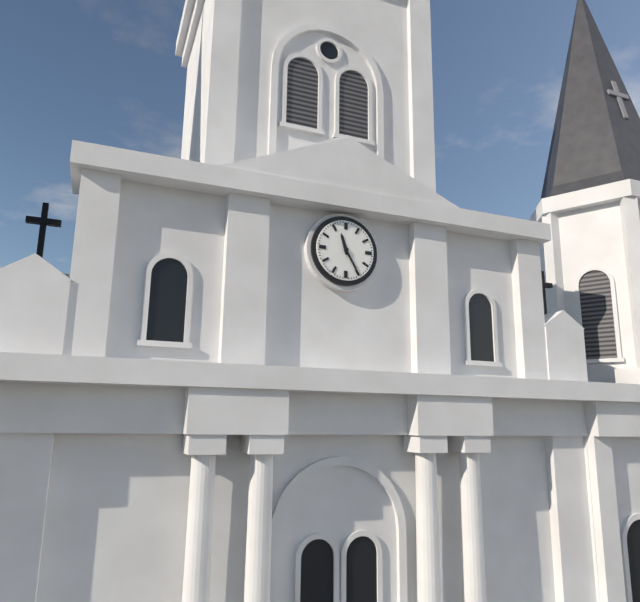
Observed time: 11:25
